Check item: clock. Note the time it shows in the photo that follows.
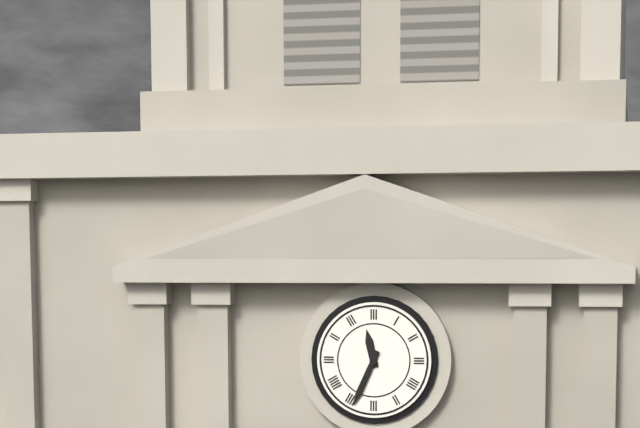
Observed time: 11:34
